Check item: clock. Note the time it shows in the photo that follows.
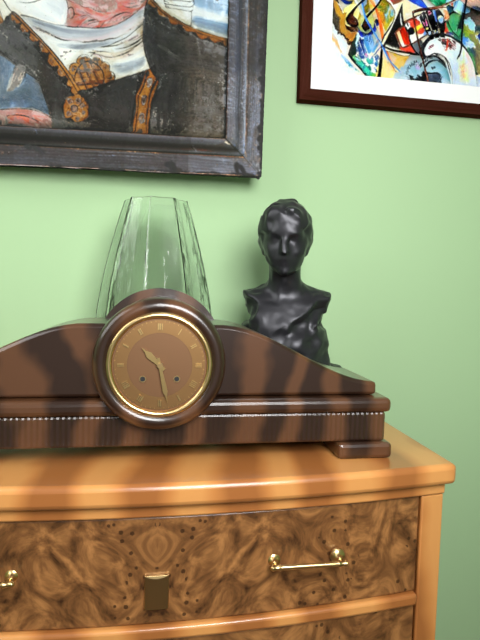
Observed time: 10:28
